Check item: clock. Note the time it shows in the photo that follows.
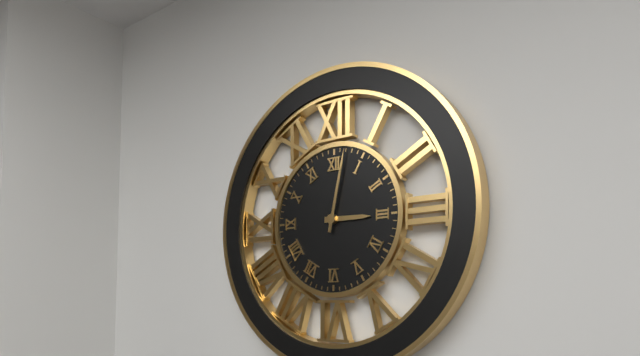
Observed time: 3:02
